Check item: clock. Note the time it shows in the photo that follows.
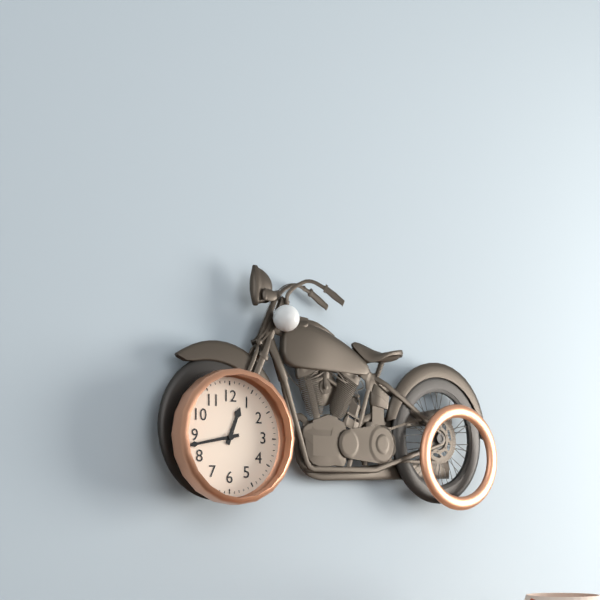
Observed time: 12:43
